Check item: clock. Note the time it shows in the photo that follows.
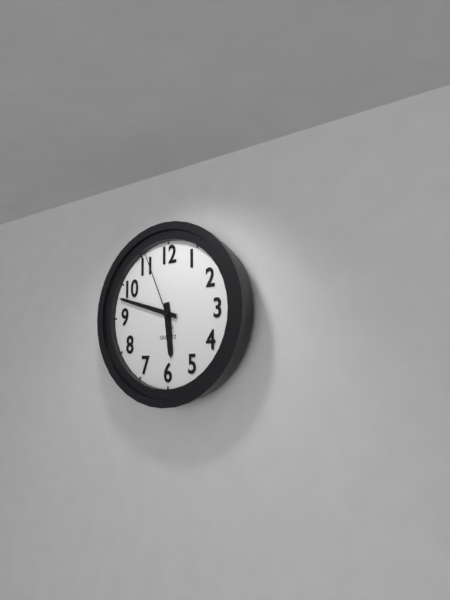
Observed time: 5:48:56
